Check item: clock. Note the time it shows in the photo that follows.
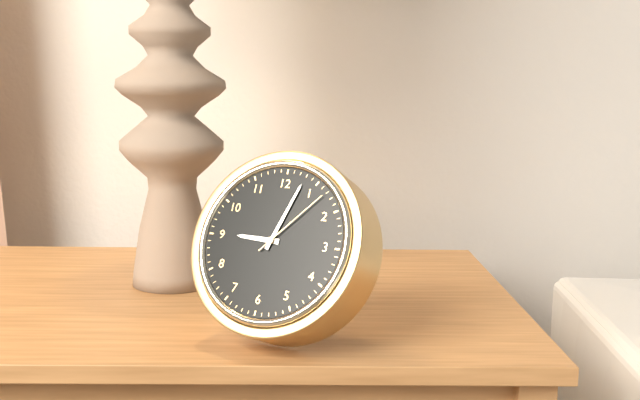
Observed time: 9:03:07
